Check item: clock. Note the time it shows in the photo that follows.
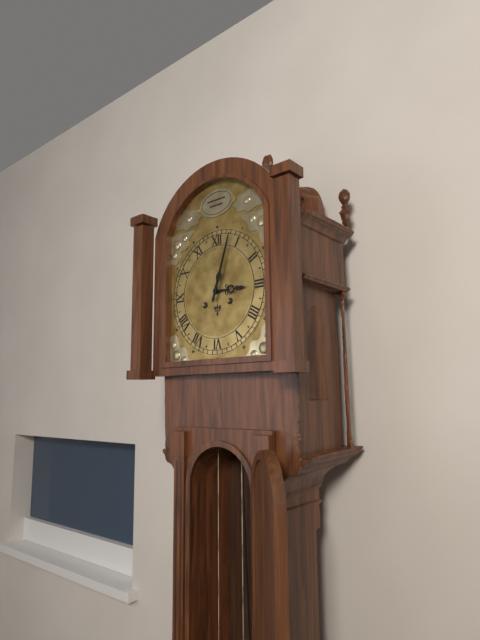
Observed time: 3:03
